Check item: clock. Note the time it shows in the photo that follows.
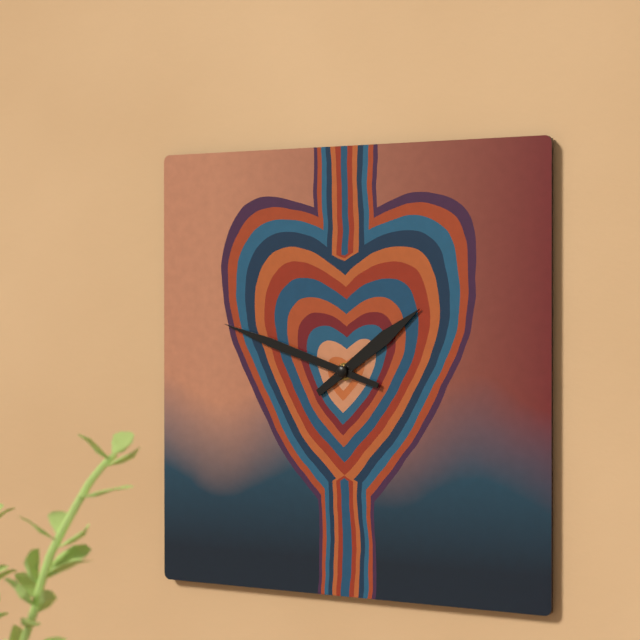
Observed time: 1:48
